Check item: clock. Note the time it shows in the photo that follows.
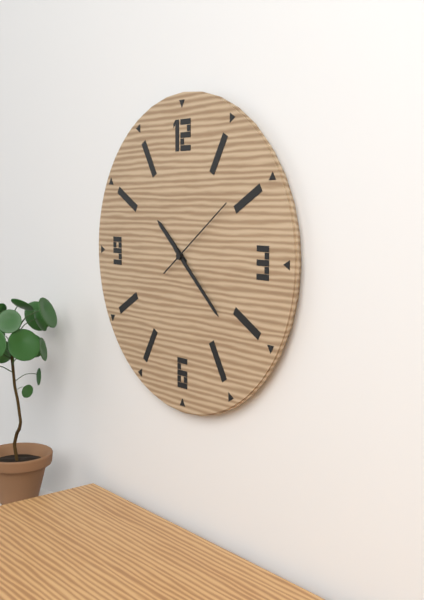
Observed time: 10:22:09
